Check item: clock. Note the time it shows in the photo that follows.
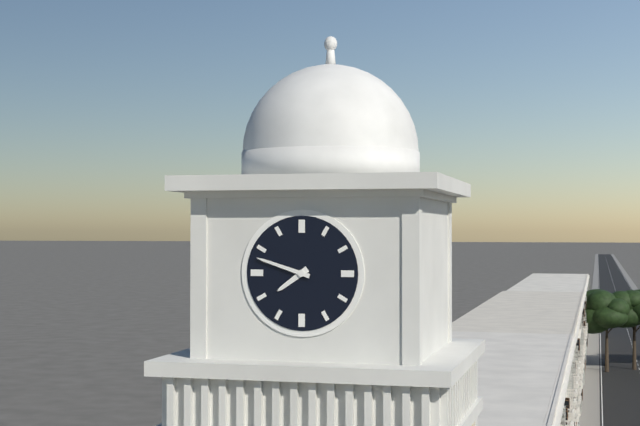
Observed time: 7:48
